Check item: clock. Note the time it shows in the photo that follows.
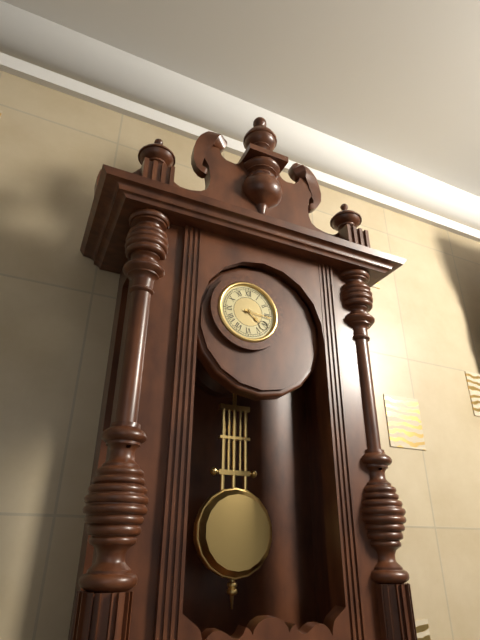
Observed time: 4:16
